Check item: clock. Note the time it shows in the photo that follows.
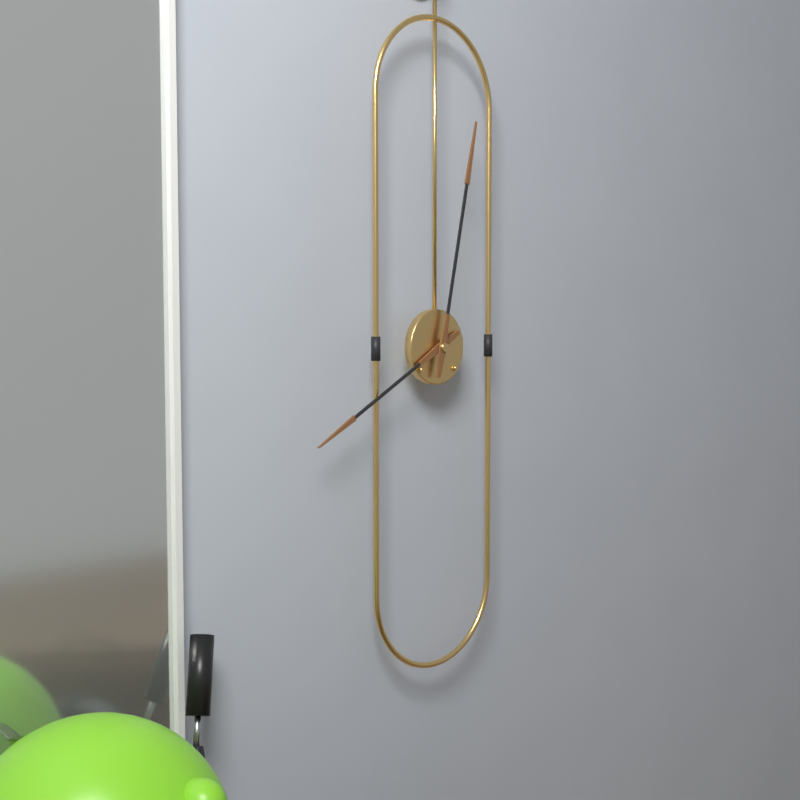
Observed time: 8:02
